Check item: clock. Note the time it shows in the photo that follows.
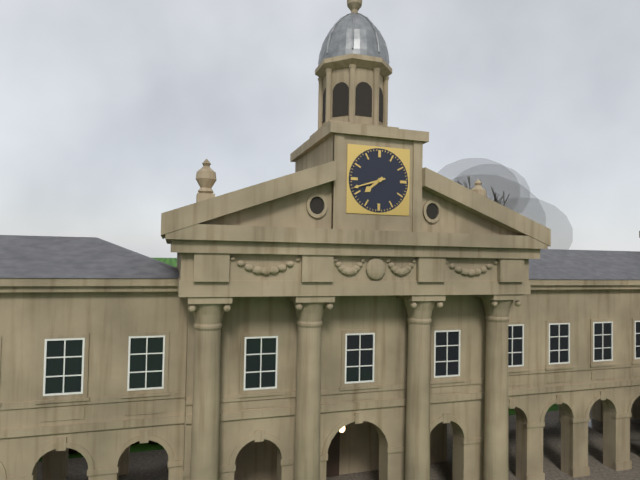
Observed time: 7:42
